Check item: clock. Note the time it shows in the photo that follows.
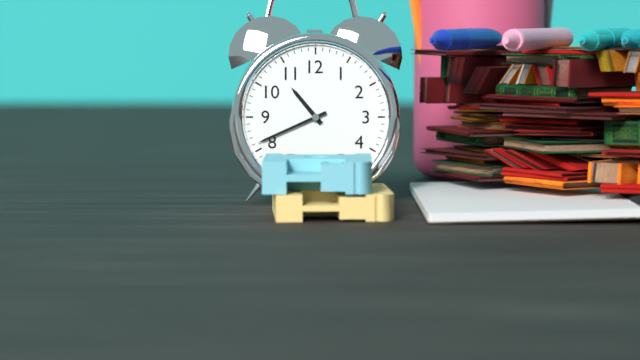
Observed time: 10:41
